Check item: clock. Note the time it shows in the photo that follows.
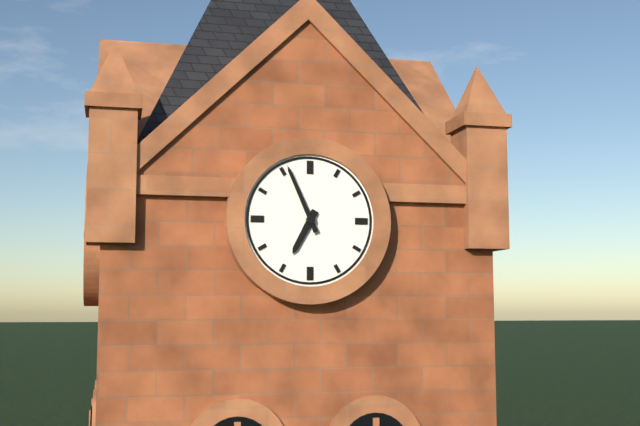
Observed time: 6:56
